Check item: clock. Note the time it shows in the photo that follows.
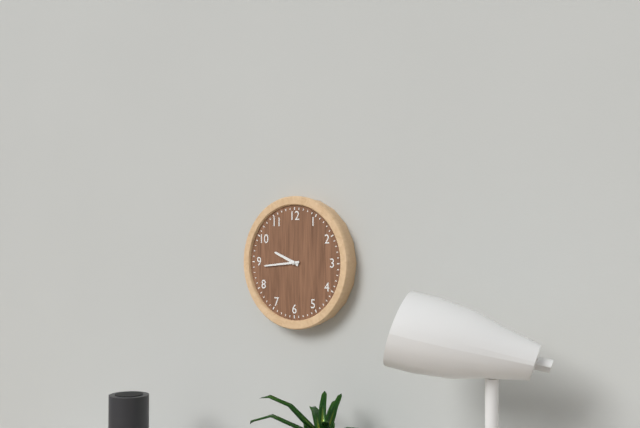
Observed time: 9:44
